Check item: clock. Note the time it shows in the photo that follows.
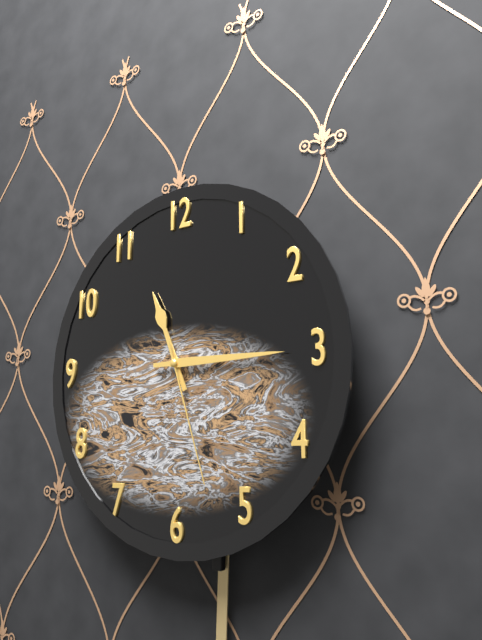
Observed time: 11:15:27
